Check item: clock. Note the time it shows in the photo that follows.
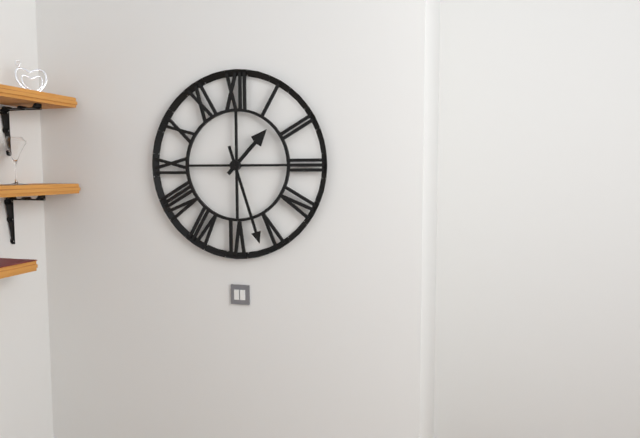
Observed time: 1:27
